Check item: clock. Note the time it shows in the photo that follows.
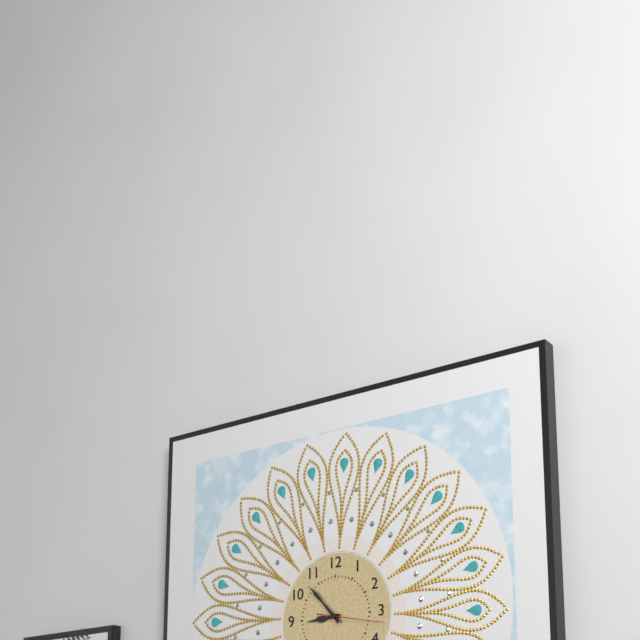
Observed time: 8:53:17
